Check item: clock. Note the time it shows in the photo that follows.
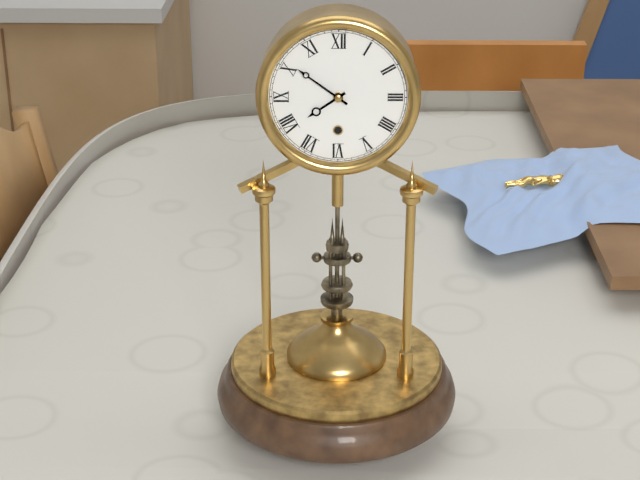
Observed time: 7:51
